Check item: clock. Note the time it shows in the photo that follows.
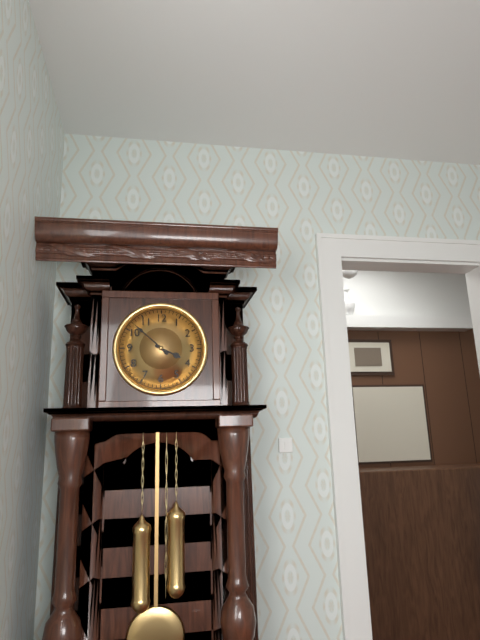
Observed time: 3:52
